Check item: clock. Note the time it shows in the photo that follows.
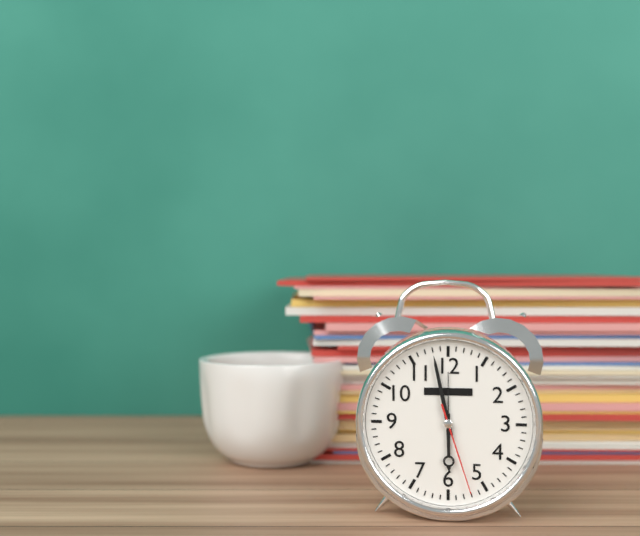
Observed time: 5:58:27
